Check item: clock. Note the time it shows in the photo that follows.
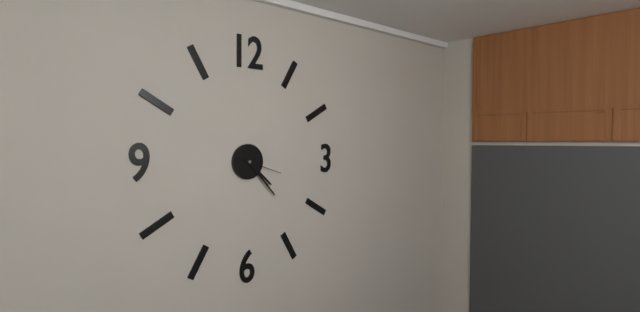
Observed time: 4:23
